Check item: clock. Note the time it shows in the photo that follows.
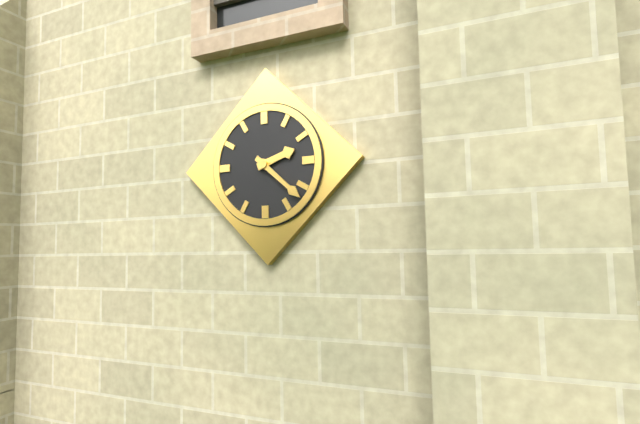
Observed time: 2:22
